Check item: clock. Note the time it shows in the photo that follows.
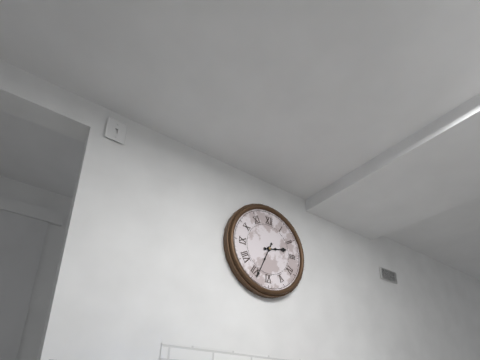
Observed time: 2:34
